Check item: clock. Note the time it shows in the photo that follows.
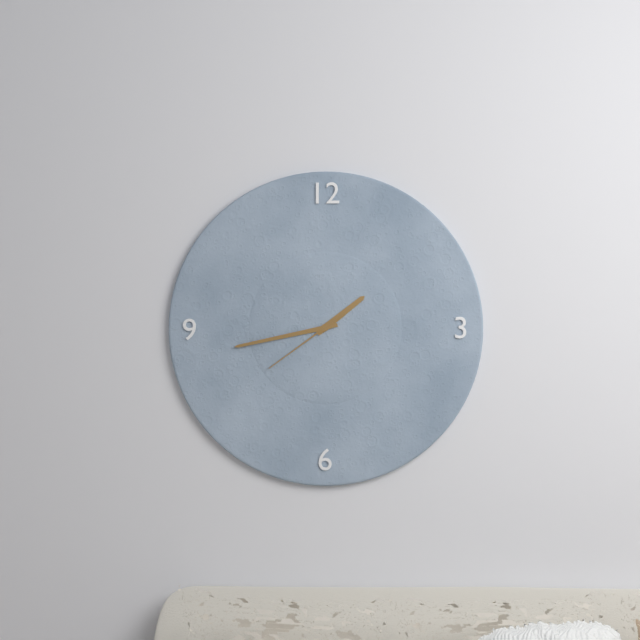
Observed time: 1:43:39
